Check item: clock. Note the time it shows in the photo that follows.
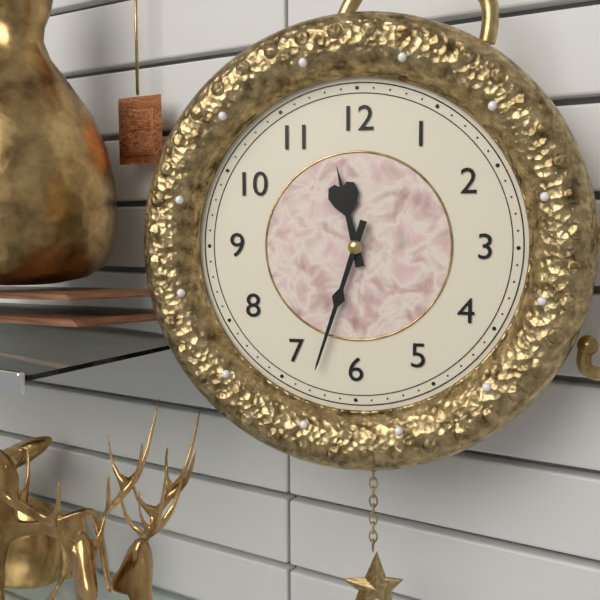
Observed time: 11:33
